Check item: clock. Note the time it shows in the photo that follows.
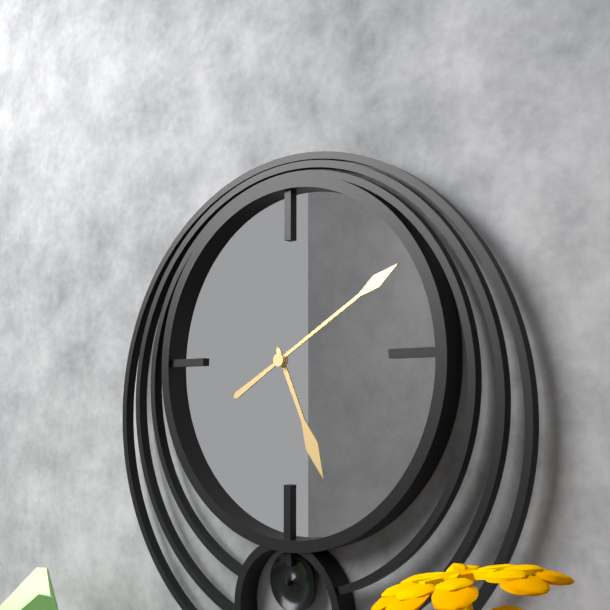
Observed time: 5:10
